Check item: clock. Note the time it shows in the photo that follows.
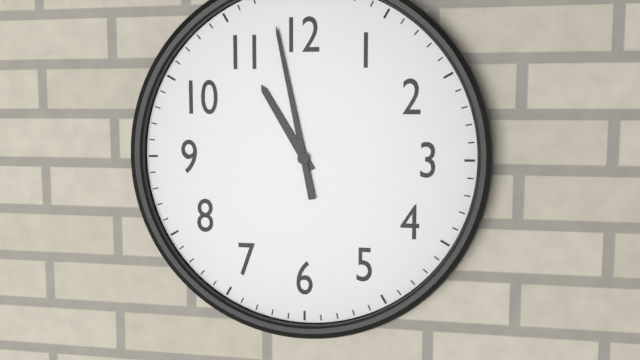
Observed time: 10:58
